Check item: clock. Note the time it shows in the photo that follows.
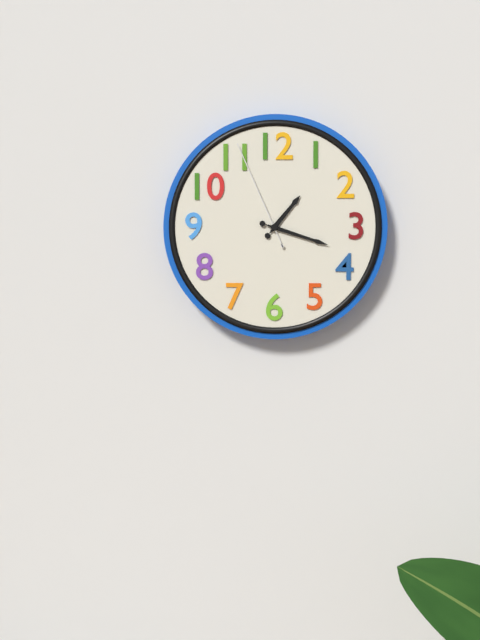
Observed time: 1:18:56
